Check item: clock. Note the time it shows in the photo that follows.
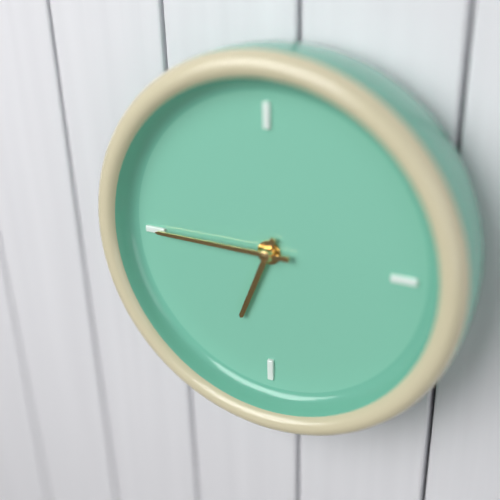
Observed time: 6:45
